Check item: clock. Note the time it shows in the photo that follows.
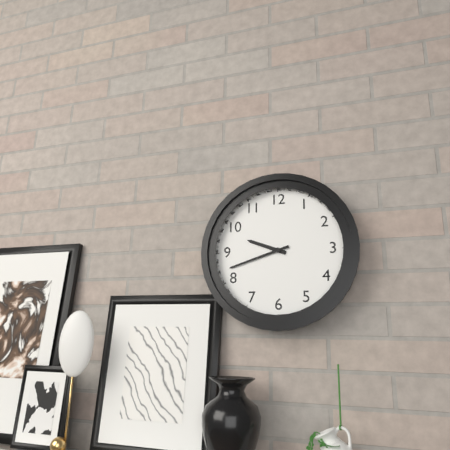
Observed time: 9:42
